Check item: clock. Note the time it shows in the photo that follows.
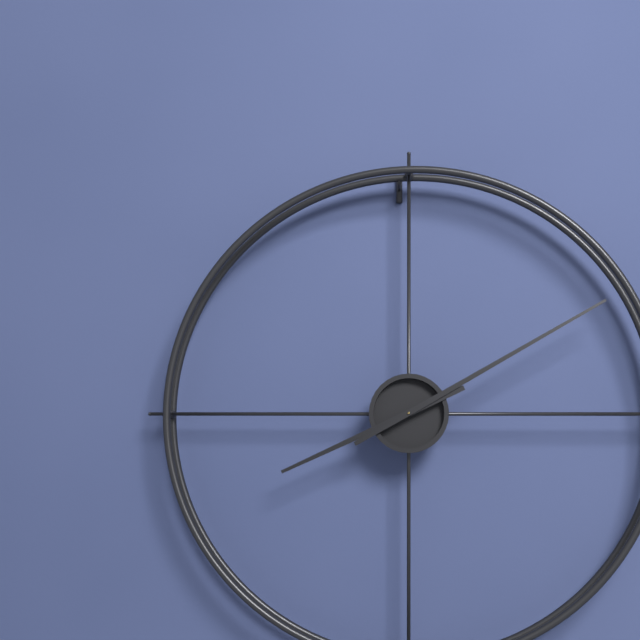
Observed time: 8:10
